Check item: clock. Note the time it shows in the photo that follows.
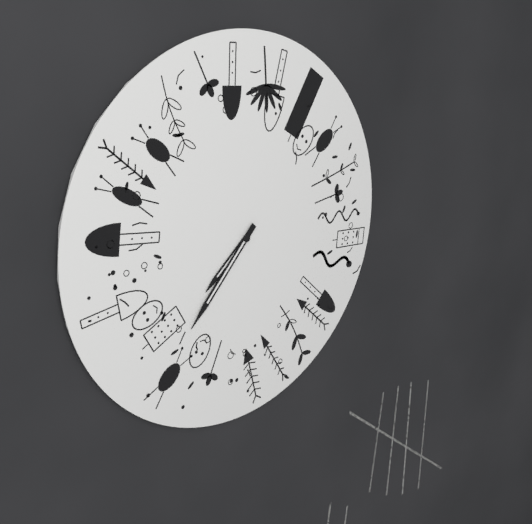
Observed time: 7:37
